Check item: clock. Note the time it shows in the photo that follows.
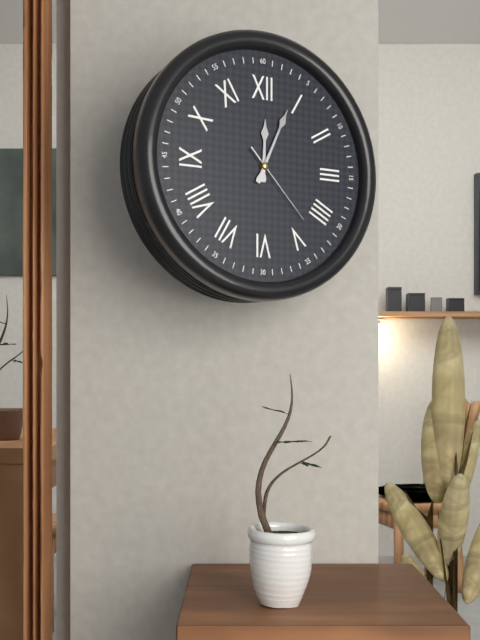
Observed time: 12:04:23
